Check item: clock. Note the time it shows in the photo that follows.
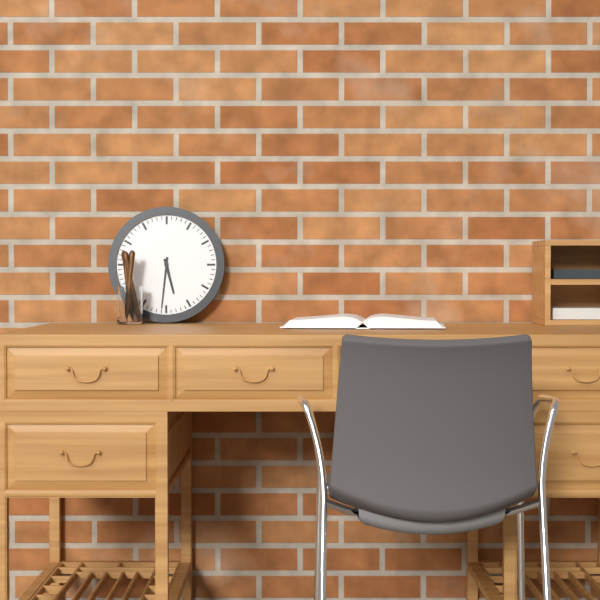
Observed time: 5:31
